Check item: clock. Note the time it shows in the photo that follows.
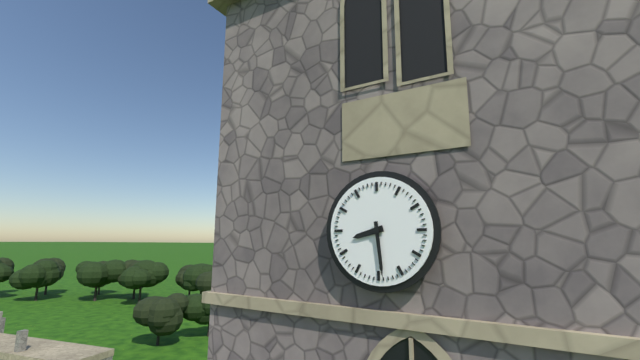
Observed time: 8:29
